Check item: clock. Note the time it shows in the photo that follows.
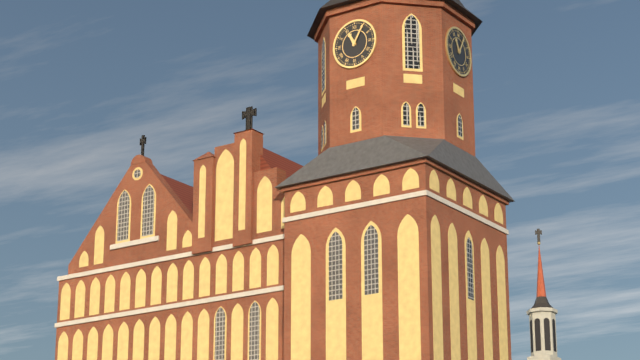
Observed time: 11:05
